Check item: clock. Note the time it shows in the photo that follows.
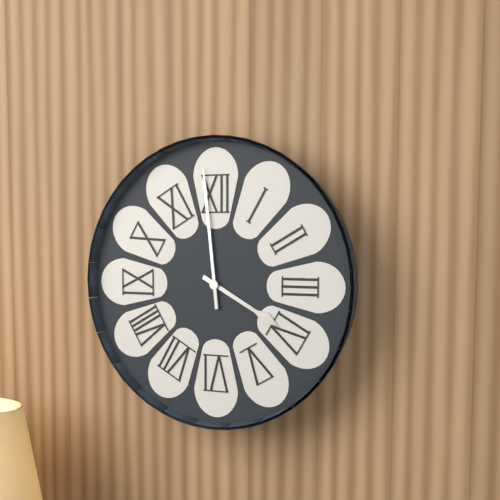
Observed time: 3:59
